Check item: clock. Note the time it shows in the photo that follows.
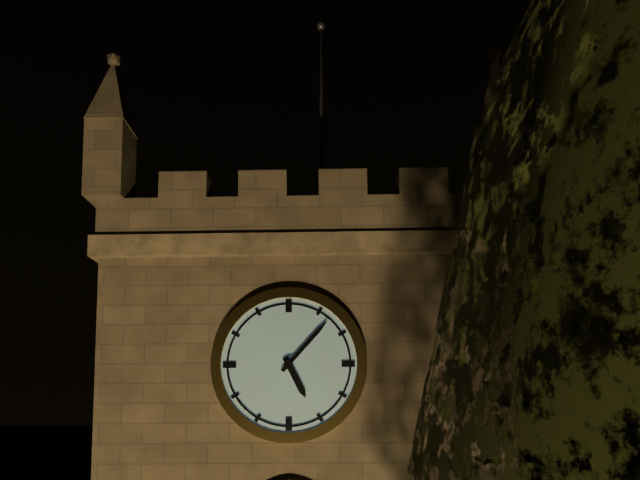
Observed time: 5:07
